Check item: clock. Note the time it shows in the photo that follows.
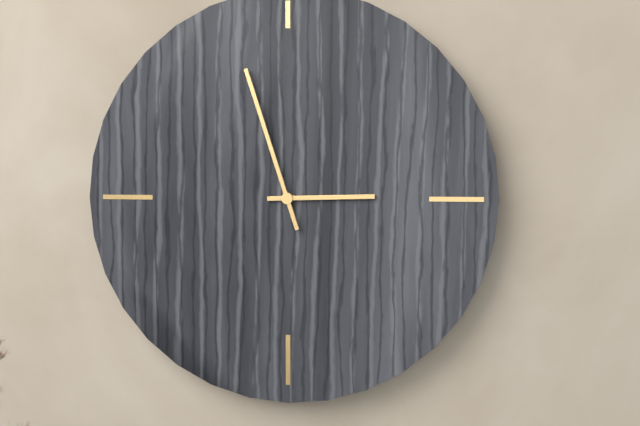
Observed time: 2:57
